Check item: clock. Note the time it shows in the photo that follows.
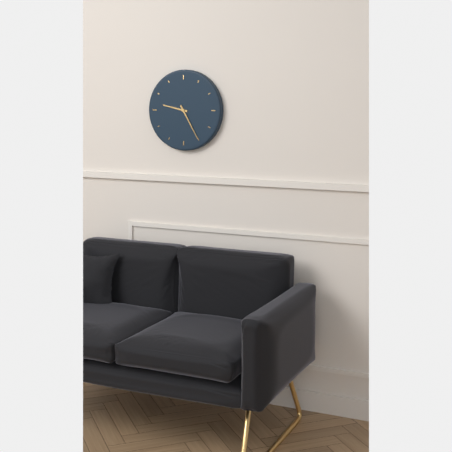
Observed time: 9:25
